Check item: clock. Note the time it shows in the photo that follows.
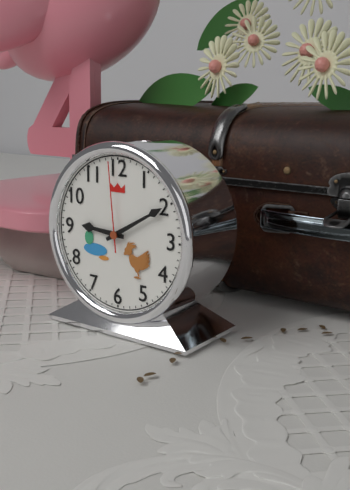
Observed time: 9:10:59
